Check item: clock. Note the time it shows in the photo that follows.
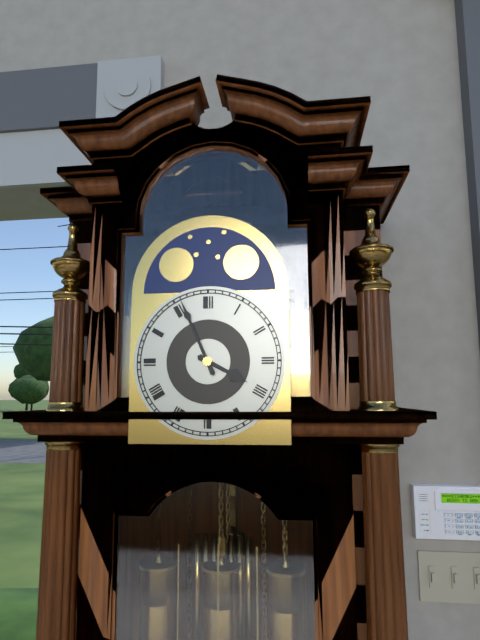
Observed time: 3:56
